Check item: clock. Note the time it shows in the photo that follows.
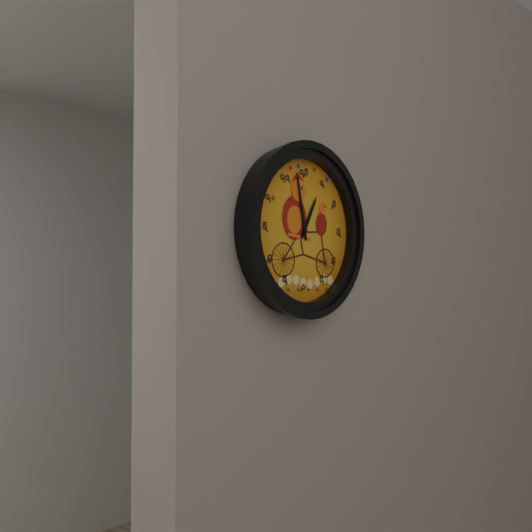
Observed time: 12:58
